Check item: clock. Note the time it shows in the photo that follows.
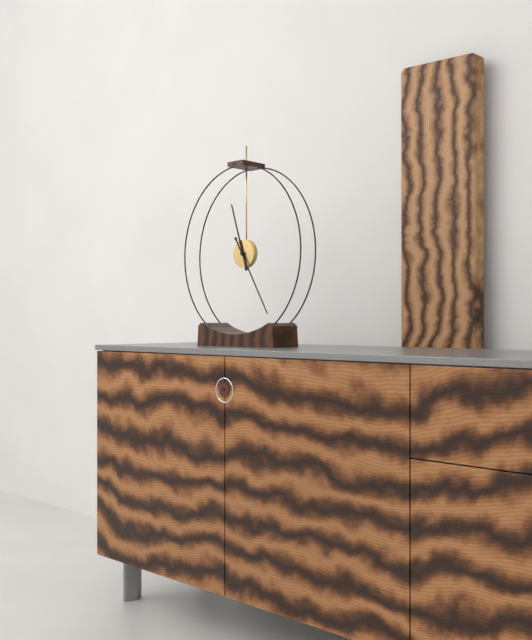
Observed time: 11:25
